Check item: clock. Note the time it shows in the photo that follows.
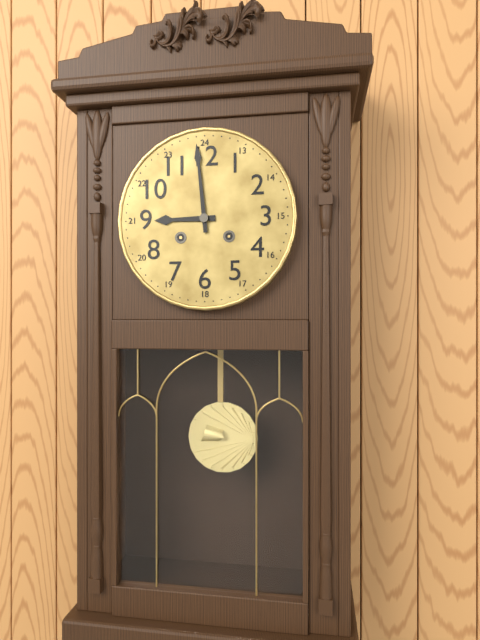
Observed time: 8:59
